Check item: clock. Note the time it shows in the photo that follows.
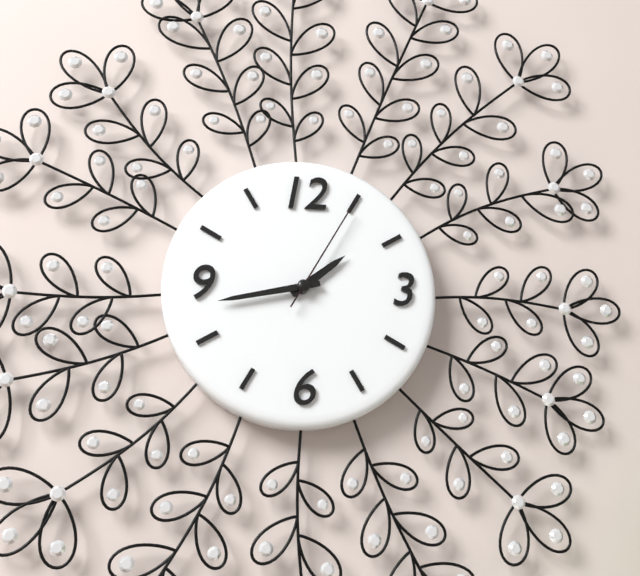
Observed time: 1:43:05
